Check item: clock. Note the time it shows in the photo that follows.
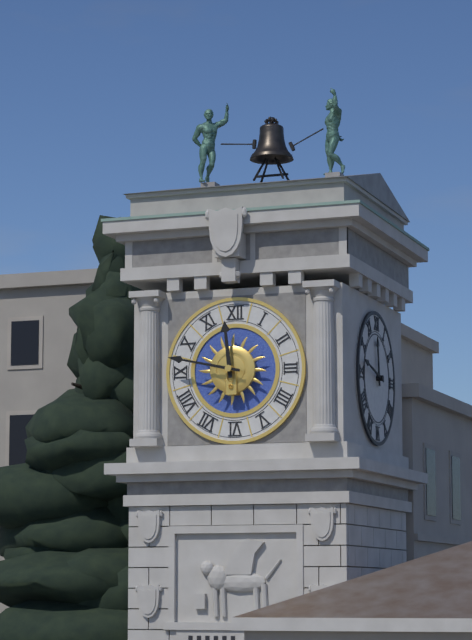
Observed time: 11:47
